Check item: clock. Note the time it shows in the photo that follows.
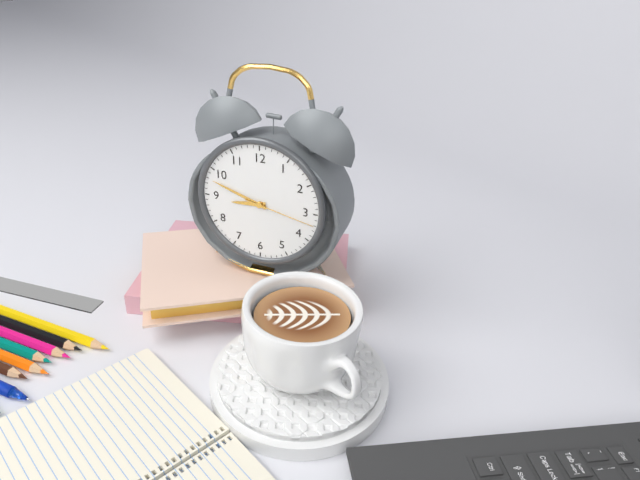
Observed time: 8:48:17
